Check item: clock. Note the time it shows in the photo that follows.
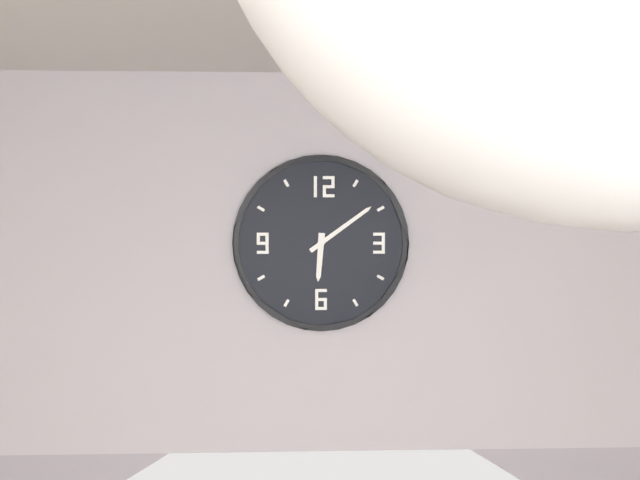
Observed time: 6:09
